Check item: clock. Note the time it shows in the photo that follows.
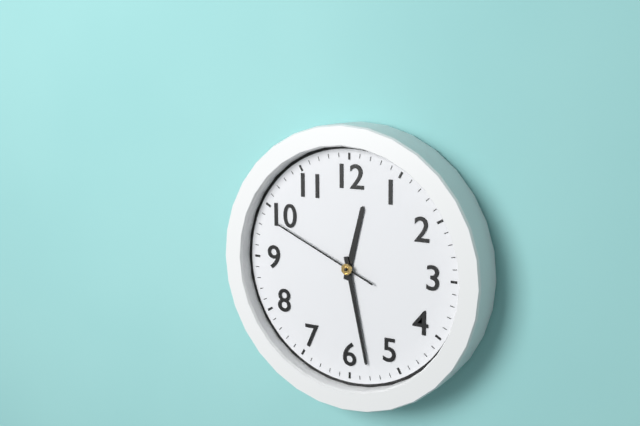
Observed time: 12:28:49
